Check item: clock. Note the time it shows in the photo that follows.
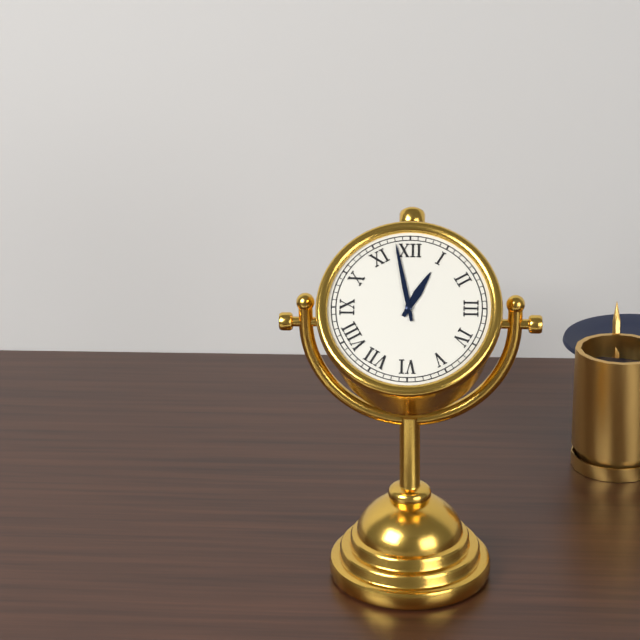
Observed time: 12:58
